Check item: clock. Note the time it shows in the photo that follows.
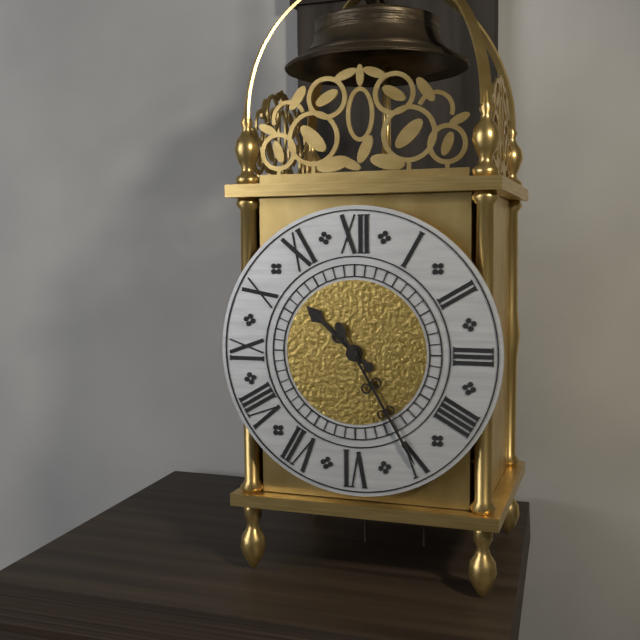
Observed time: 10:25
